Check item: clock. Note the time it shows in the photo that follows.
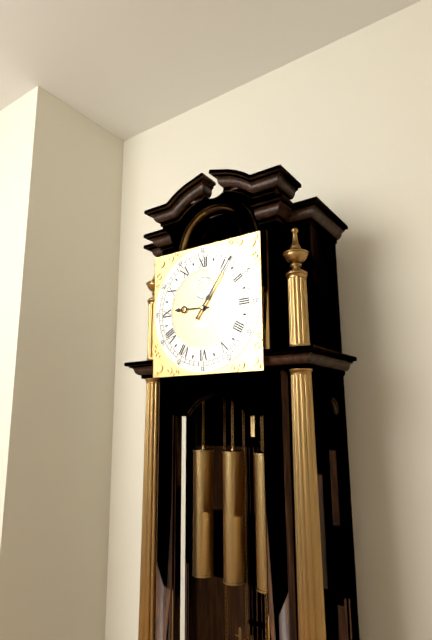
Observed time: 9:06
